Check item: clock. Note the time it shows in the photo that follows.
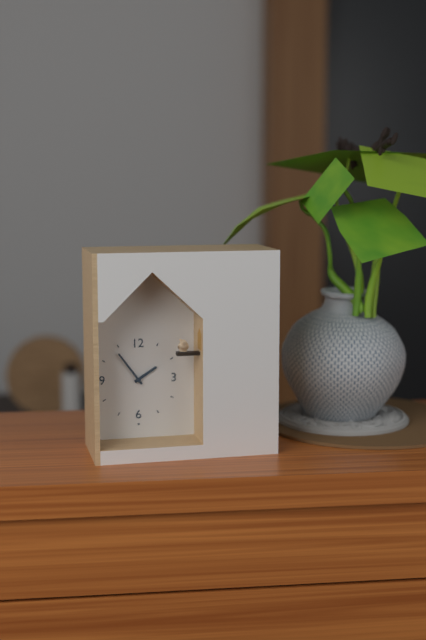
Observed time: 1:54
